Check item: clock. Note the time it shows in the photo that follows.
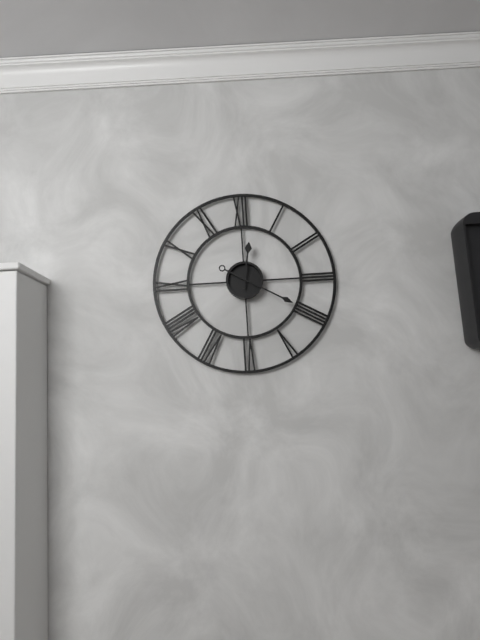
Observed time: 12:20
